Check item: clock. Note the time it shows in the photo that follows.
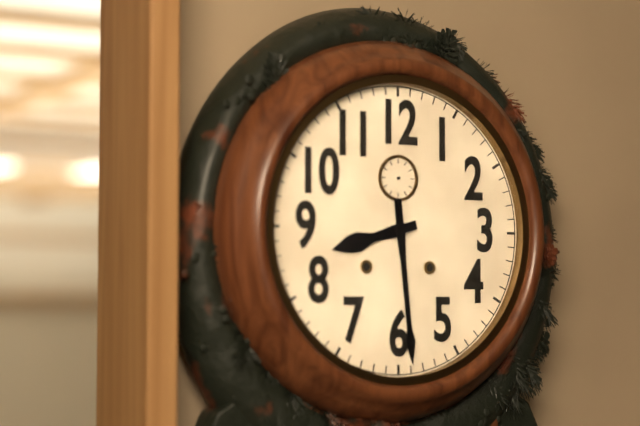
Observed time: 8:29
